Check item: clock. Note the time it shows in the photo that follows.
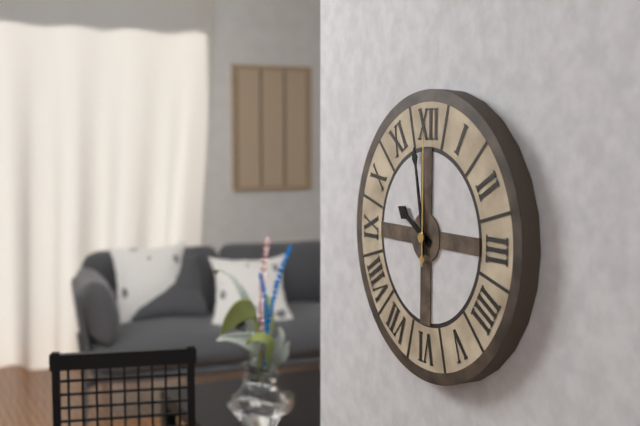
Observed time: 9:58:00
